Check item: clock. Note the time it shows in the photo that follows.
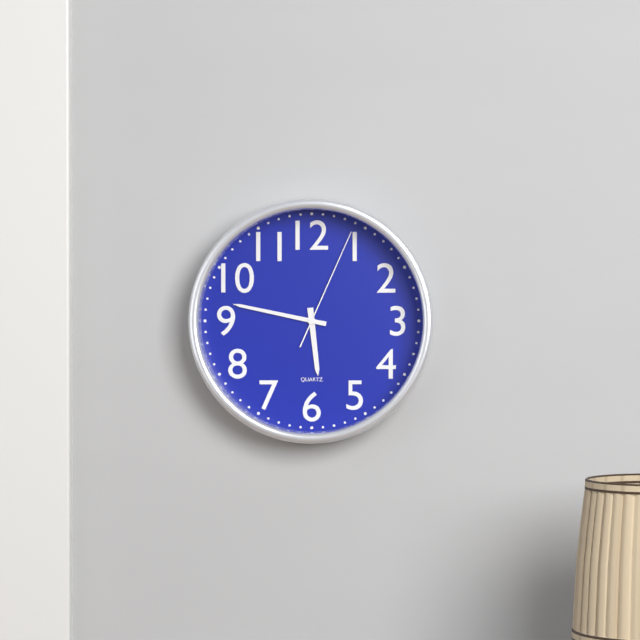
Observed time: 5:47:04
